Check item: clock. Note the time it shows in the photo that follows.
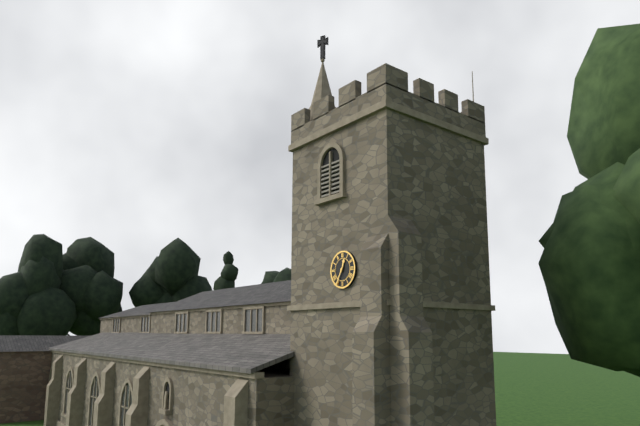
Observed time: 12:35
